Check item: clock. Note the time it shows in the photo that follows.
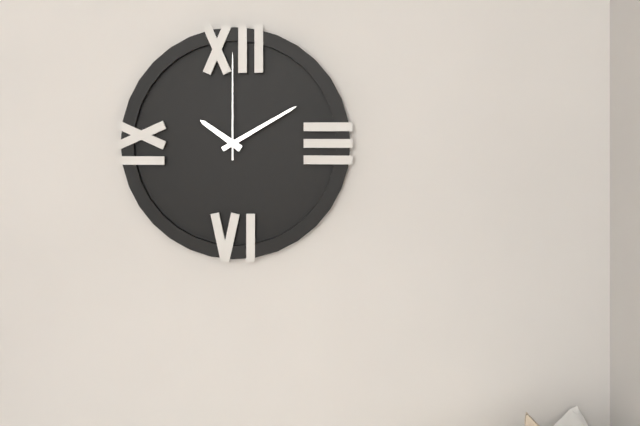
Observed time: 10:10:00
